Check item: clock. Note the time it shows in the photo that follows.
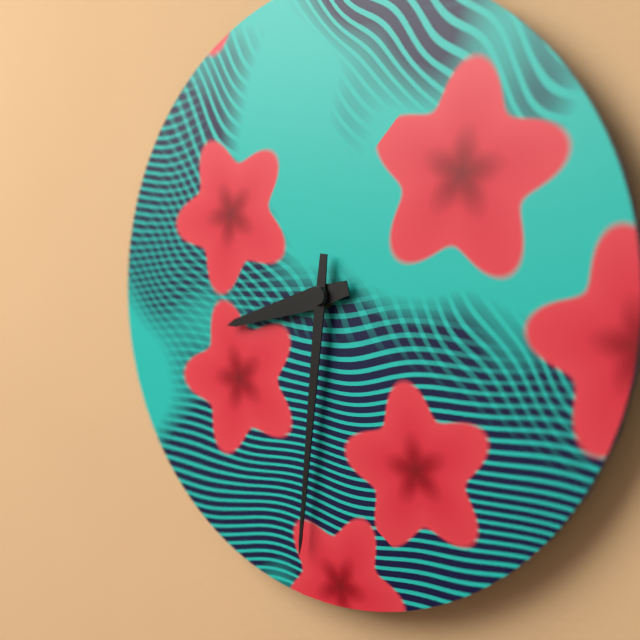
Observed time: 8:31
